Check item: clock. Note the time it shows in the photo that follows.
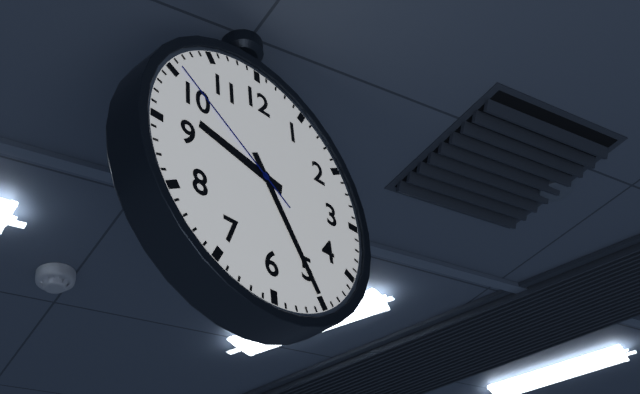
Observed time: 9:25:51
